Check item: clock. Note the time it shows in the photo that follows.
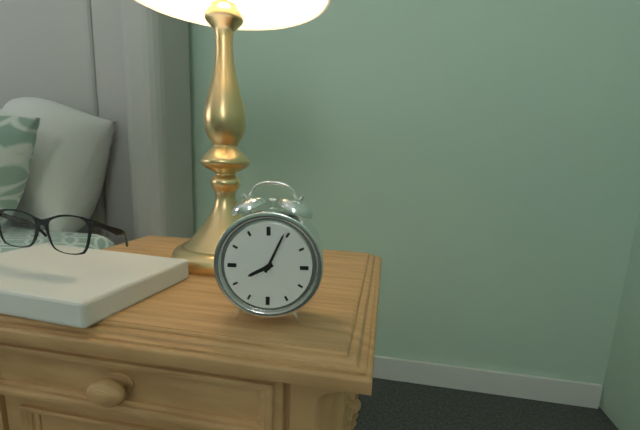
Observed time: 8:04
